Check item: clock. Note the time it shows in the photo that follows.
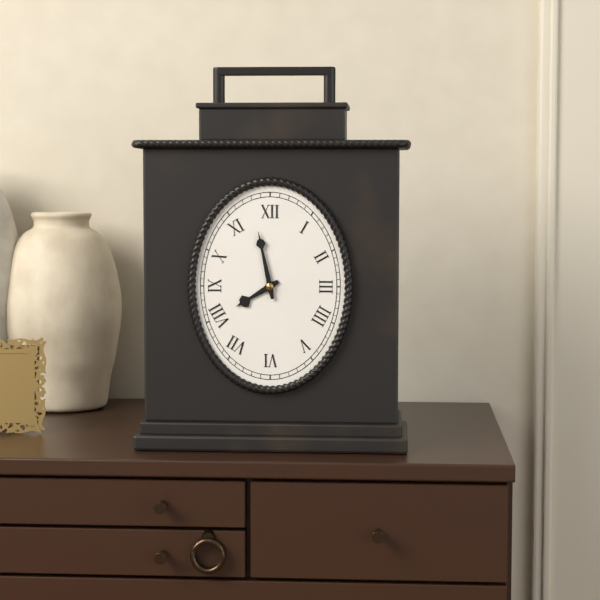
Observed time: 7:58
